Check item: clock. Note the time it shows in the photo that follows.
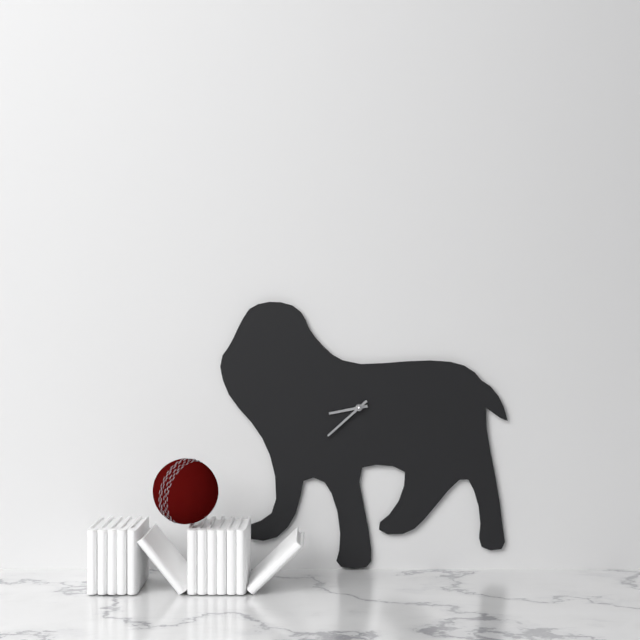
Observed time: 8:38
